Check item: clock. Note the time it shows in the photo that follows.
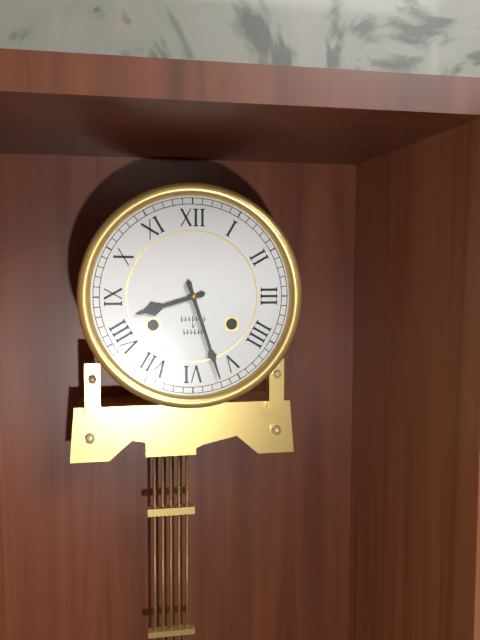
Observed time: 8:27
